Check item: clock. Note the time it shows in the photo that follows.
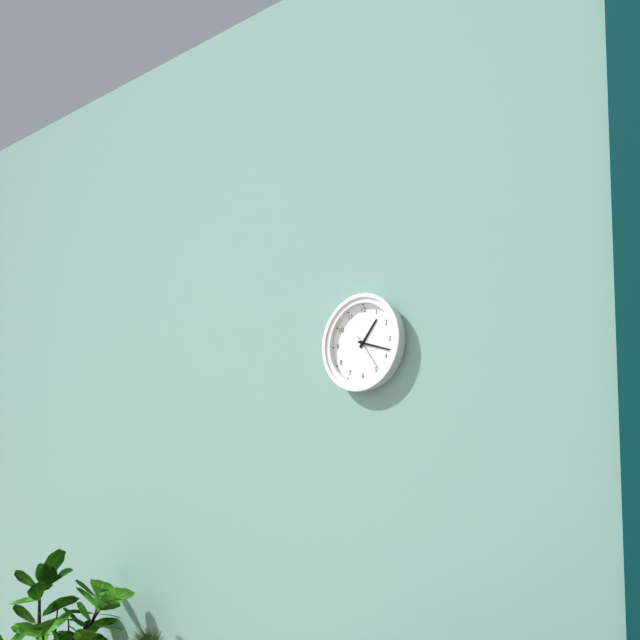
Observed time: 1:18
